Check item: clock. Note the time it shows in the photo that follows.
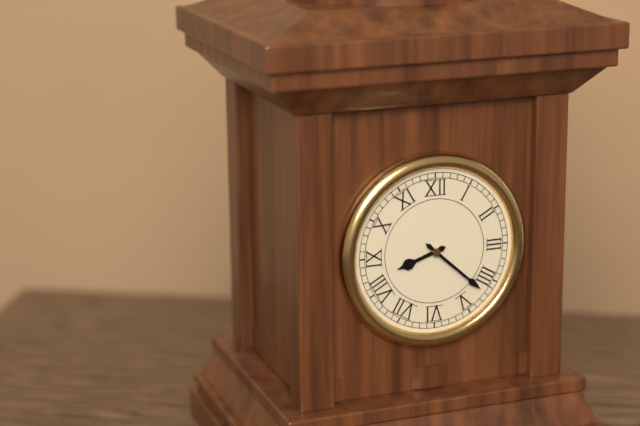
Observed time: 8:22
